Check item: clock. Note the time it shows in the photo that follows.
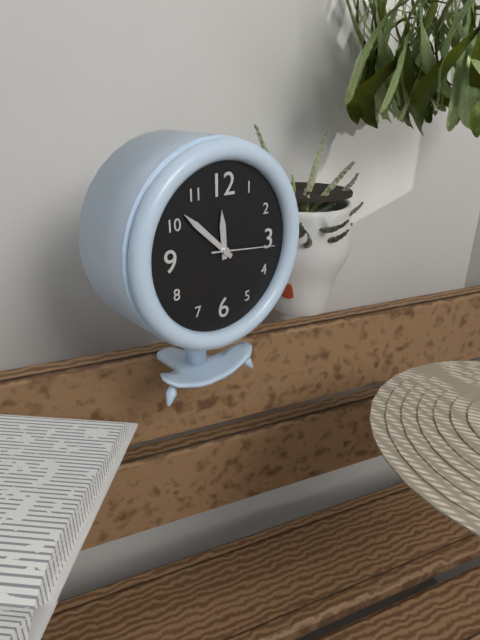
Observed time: 11:52:16
